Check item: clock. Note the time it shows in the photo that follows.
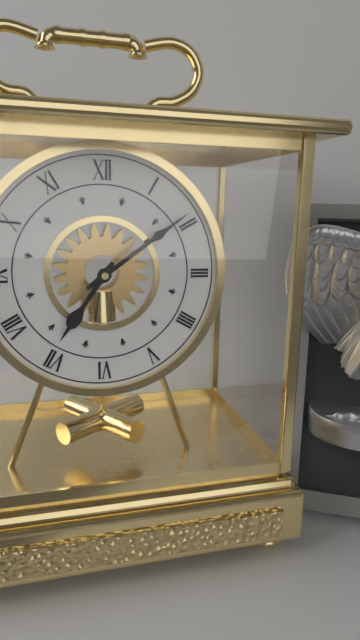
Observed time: 7:09
